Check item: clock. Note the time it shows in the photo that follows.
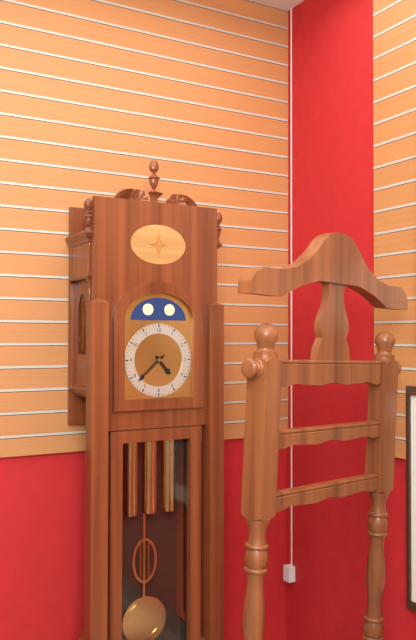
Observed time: 4:38
